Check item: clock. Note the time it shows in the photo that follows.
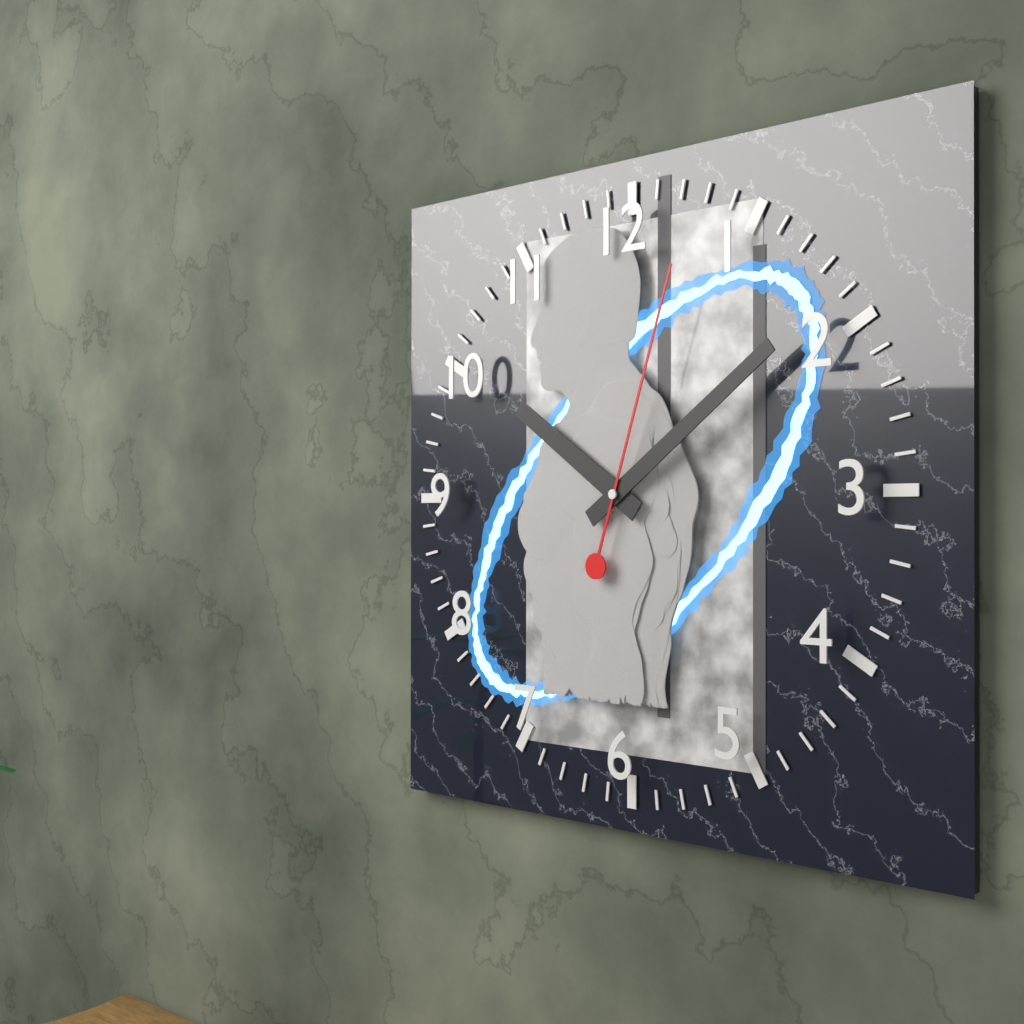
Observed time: 10:09:03
